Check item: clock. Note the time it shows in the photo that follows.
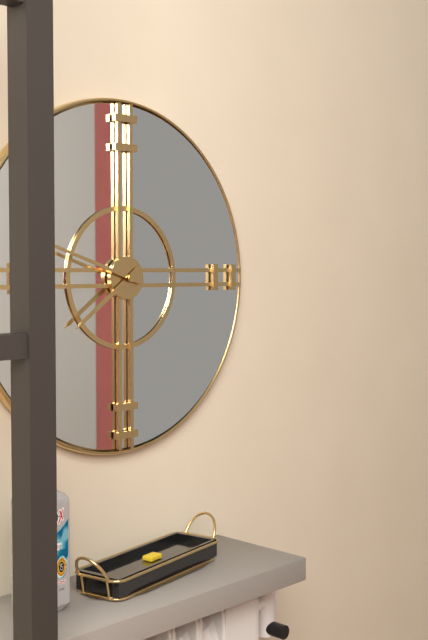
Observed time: 7:48
